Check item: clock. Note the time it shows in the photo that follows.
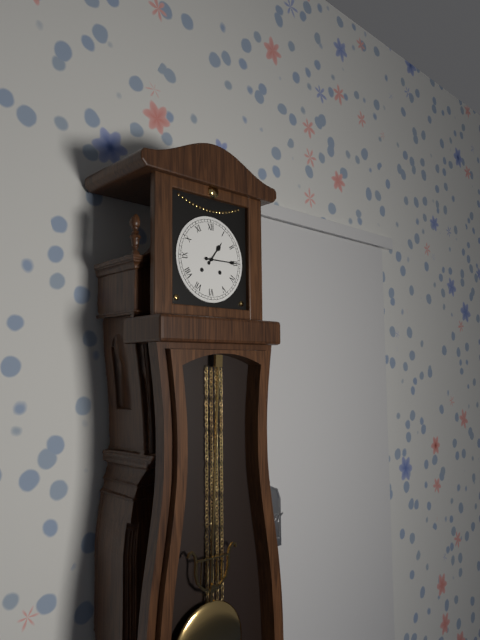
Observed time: 1:15
